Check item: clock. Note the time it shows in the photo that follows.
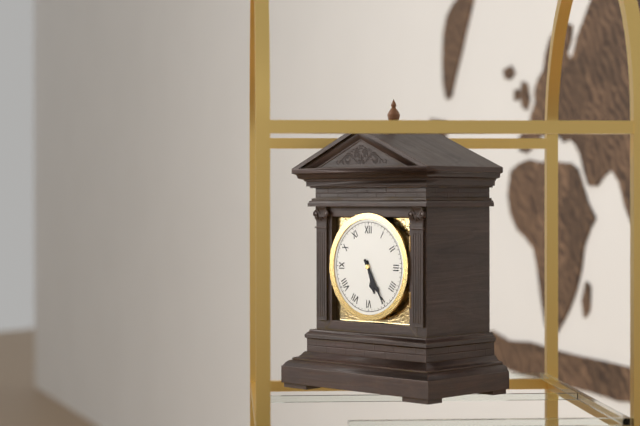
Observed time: 5:25
